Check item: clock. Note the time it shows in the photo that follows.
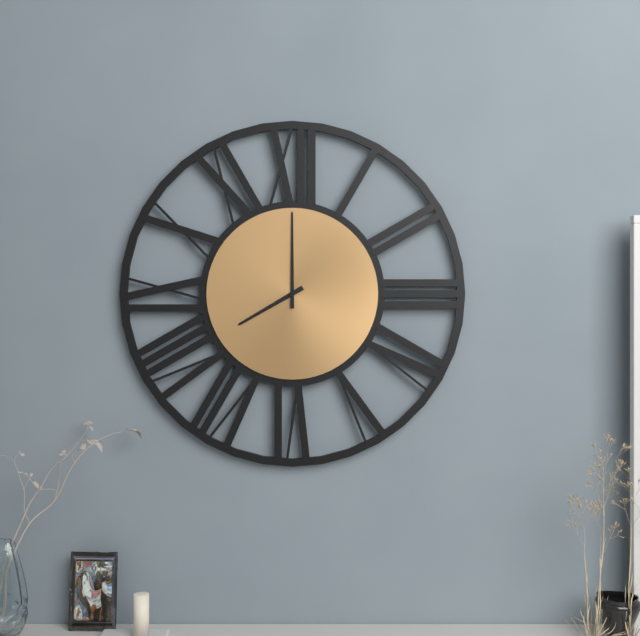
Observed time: 8:00
